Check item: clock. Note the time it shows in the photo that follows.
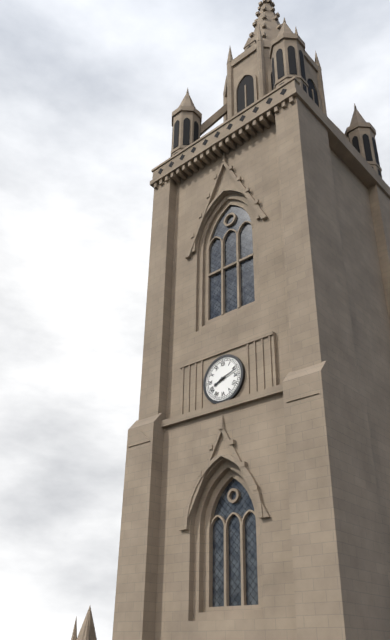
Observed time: 8:12
